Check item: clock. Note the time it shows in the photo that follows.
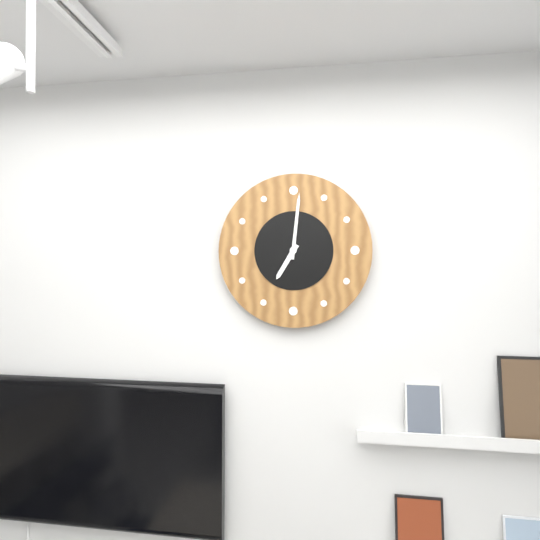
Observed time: 7:01
